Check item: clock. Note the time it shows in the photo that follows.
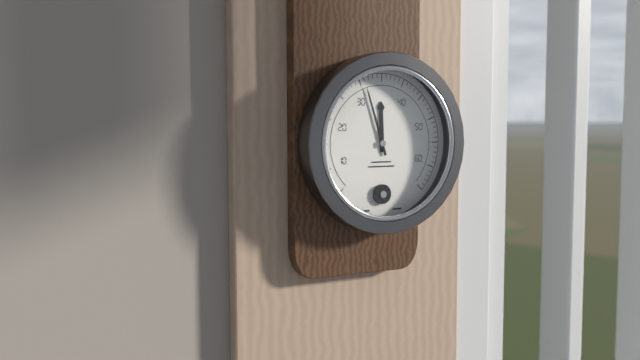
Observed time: 11:57
